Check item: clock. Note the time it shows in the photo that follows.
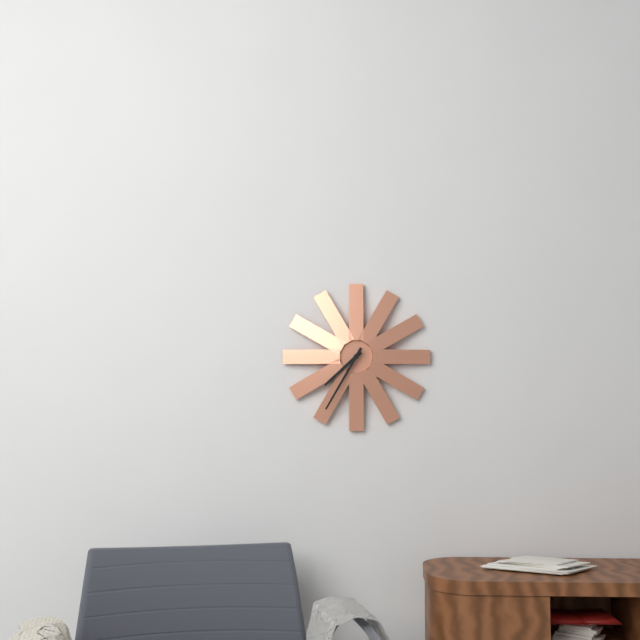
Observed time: 7:35
